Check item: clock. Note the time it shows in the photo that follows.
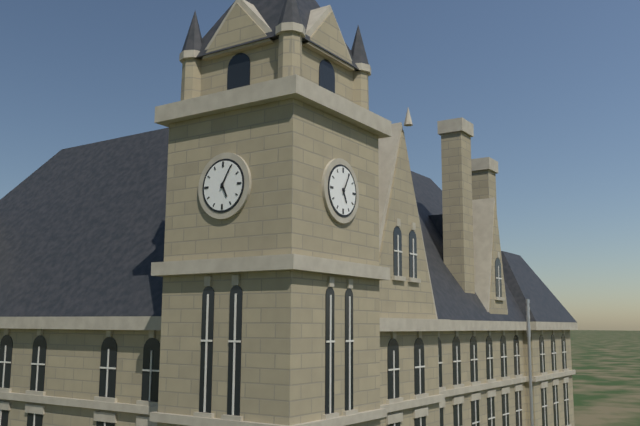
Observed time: 5:05
